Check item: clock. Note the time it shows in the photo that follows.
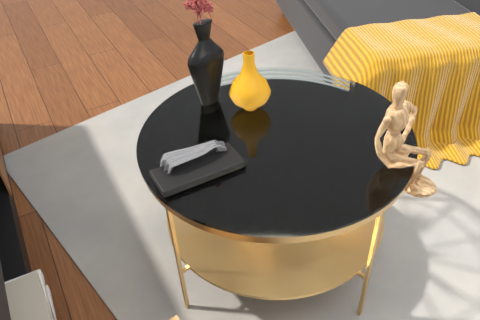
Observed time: 4:31
